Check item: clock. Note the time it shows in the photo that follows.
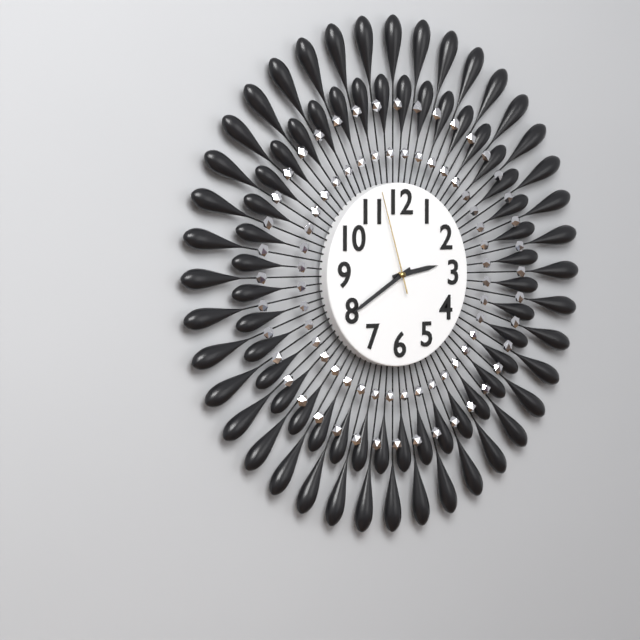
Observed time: 2:40:57
